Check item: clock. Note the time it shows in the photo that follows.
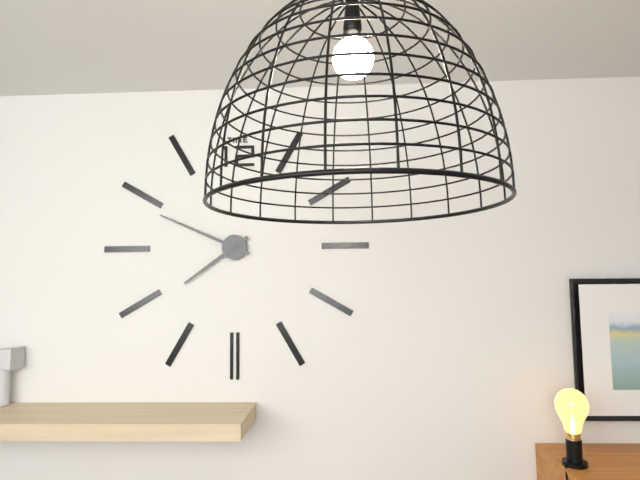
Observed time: 7:49
